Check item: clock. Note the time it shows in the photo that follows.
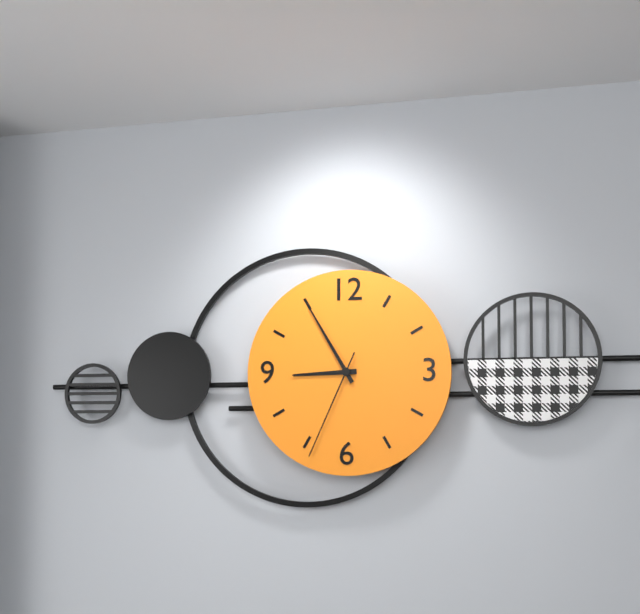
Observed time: 8:55:34
